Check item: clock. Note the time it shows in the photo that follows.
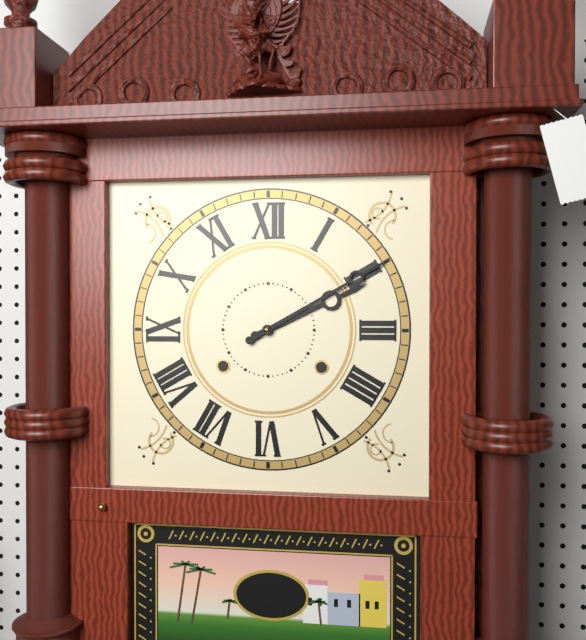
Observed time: 2:10
